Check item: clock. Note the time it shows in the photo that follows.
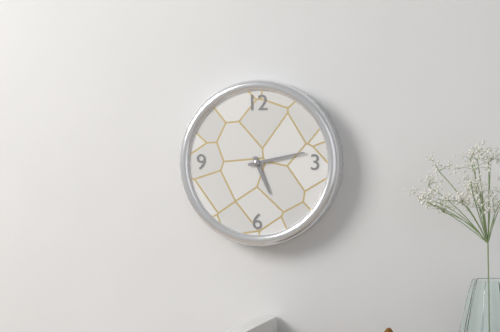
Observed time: 5:13
